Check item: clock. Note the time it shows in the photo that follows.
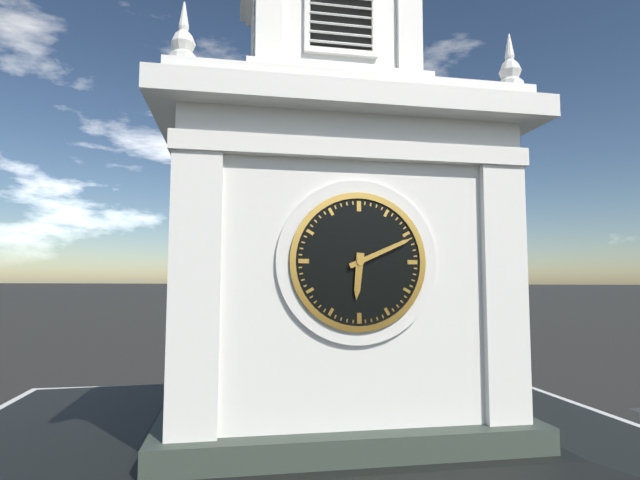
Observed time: 6:11
